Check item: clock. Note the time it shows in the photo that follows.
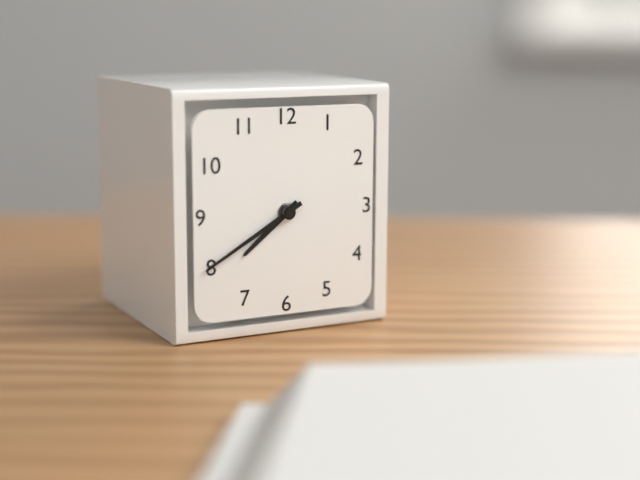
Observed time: 7:40
